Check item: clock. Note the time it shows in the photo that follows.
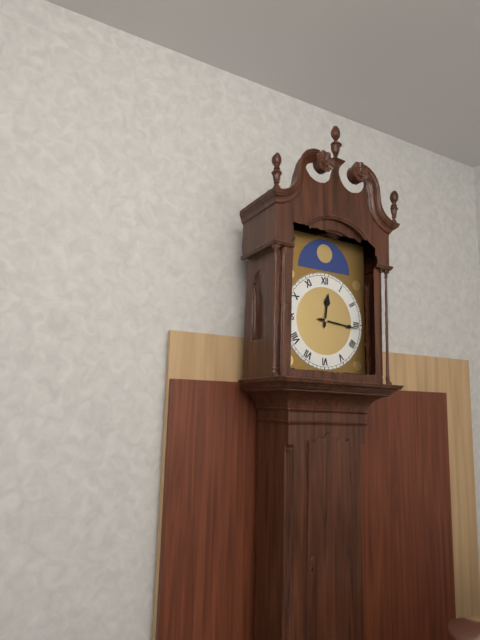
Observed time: 12:16
